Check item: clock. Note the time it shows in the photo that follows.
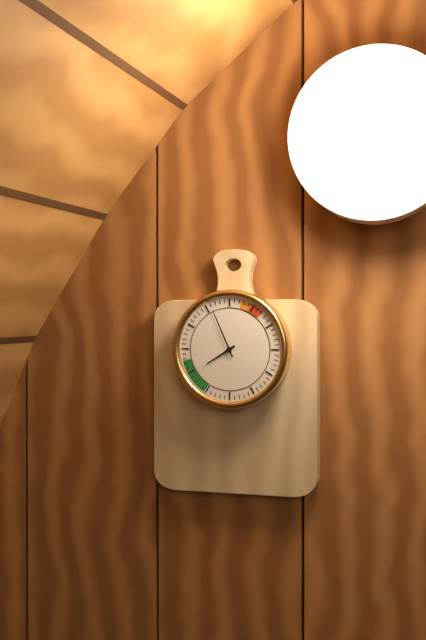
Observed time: 7:56
